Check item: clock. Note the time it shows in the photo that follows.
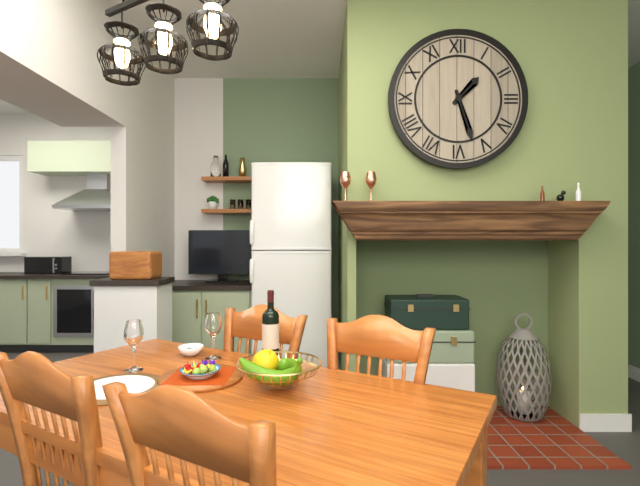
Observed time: 1:27
